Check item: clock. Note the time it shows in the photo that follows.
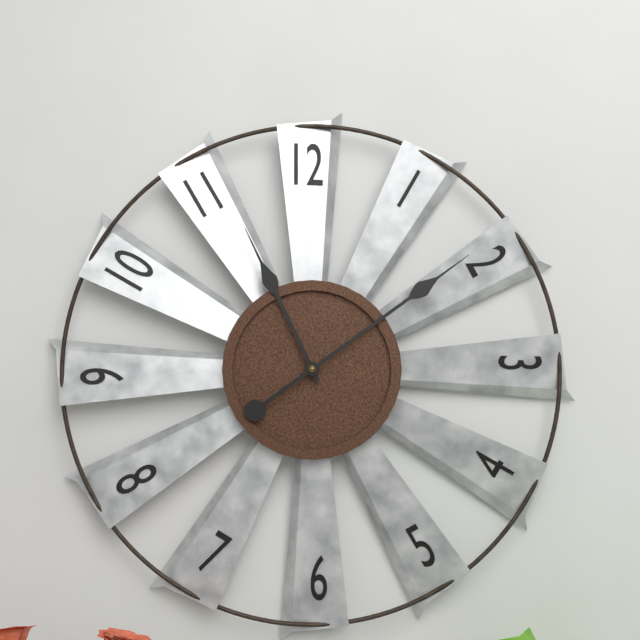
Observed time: 11:09
